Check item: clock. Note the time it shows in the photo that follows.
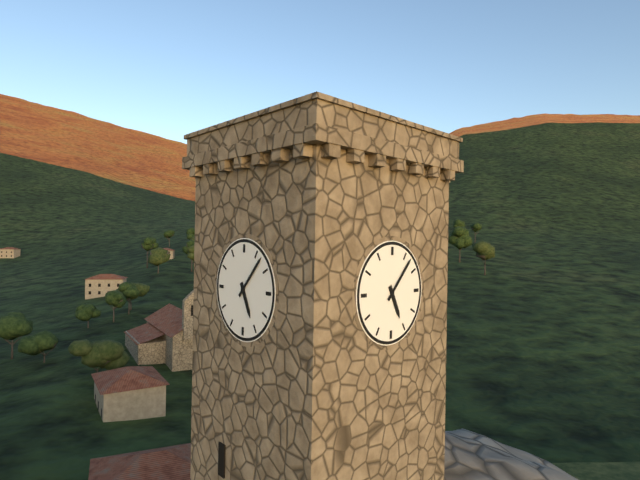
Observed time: 5:07
